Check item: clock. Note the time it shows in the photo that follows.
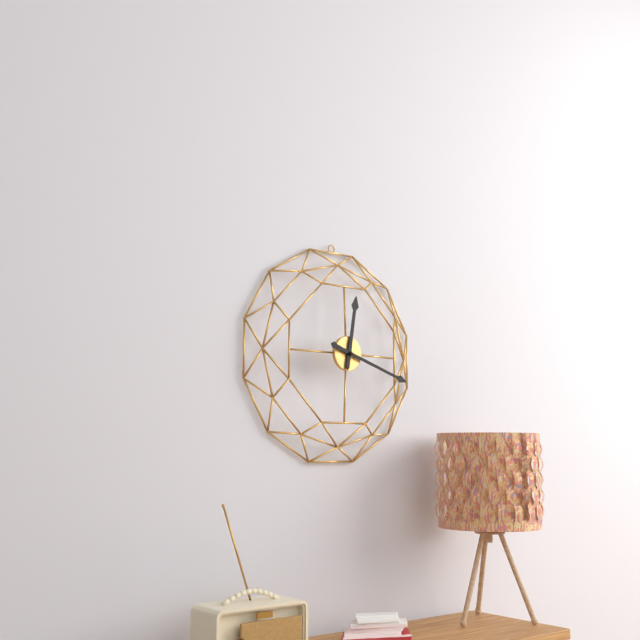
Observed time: 12:18
